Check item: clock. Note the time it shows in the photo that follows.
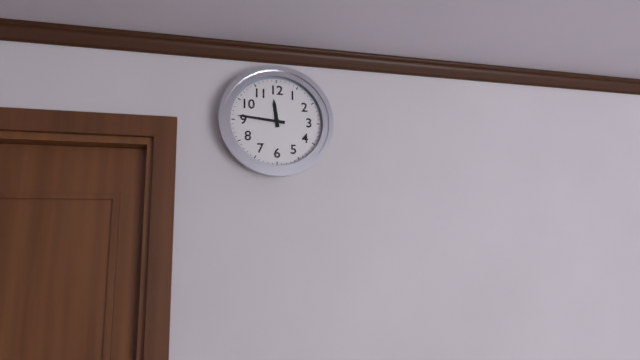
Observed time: 11:46
